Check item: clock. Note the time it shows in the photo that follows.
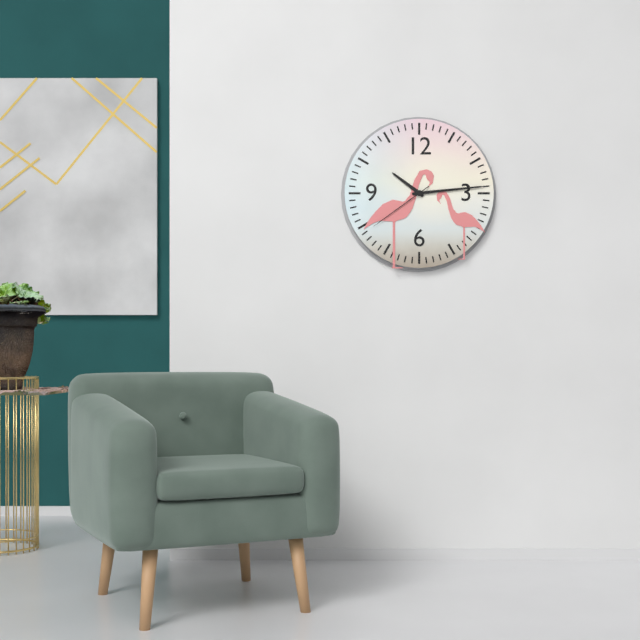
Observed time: 10:14:39
